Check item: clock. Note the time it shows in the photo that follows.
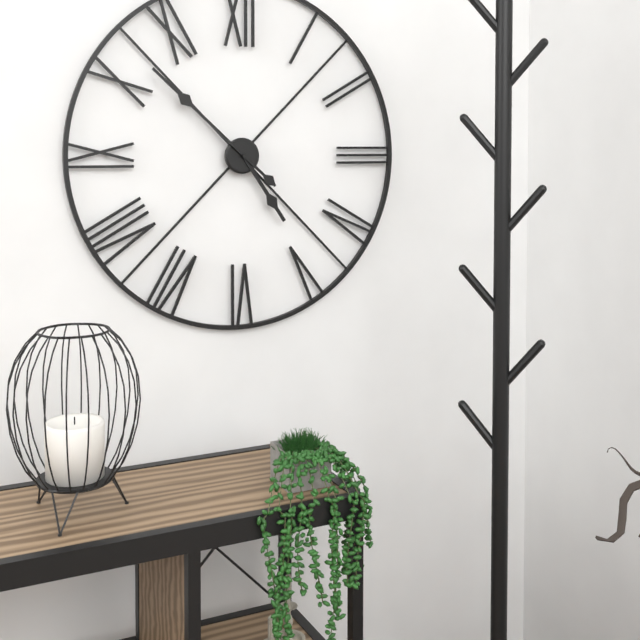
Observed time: 4:52
